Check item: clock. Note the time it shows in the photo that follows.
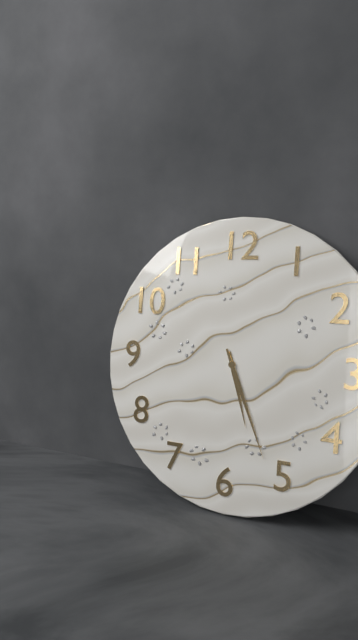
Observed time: 5:26
